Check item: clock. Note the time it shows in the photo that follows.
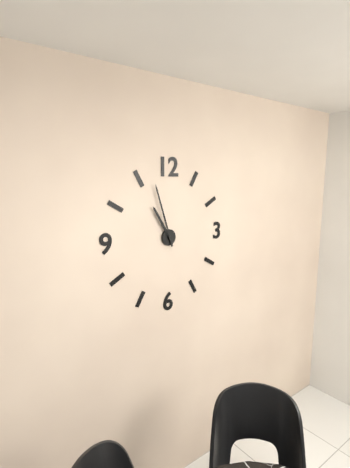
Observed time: 10:57
